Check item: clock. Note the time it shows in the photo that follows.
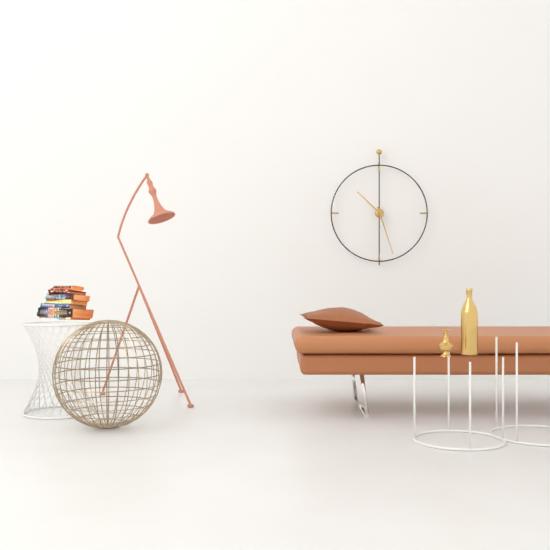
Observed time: 10:27
